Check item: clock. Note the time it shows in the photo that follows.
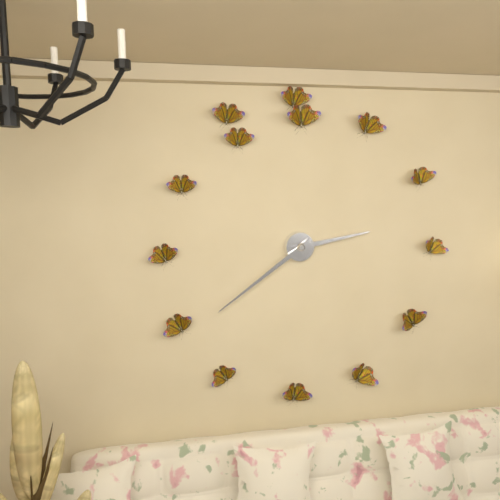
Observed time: 2:39
